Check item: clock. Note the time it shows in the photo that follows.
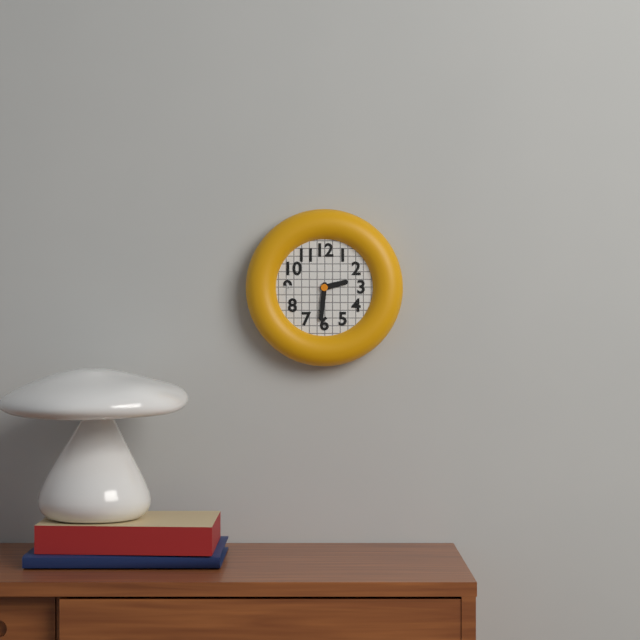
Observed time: 2:31
